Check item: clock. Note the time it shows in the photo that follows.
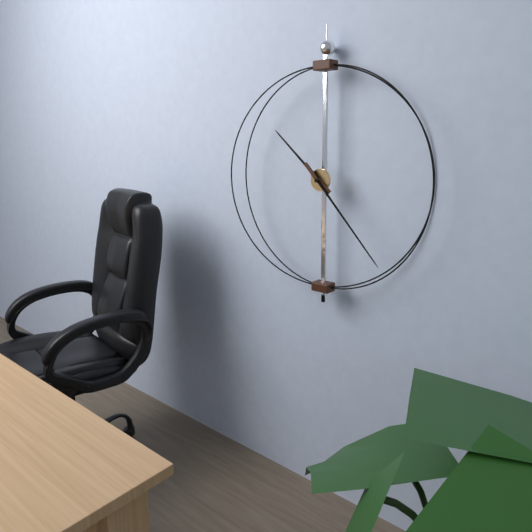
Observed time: 10:23
